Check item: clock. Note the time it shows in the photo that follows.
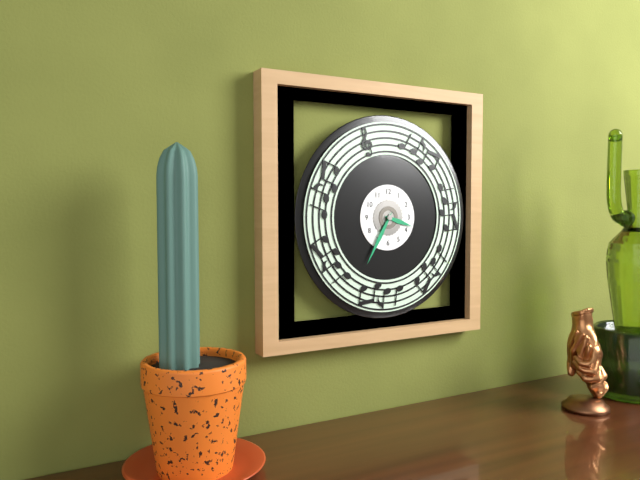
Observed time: 3:35
